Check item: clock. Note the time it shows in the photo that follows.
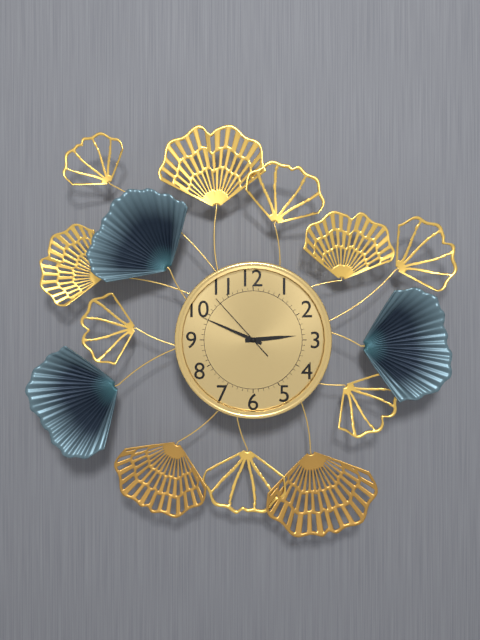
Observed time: 2:49:53
